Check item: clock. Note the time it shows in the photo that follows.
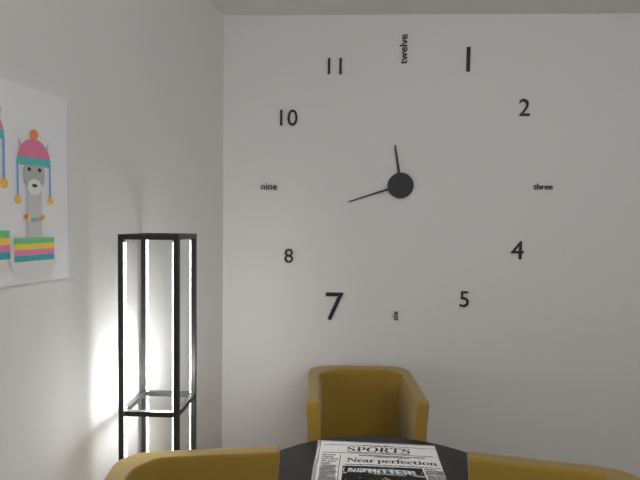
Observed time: 11:42
